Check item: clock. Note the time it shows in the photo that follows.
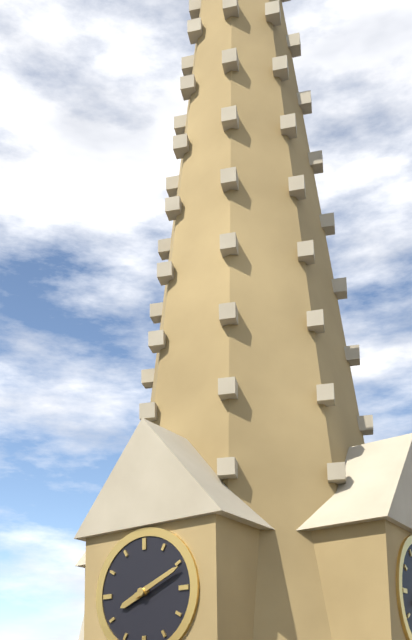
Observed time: 8:11
